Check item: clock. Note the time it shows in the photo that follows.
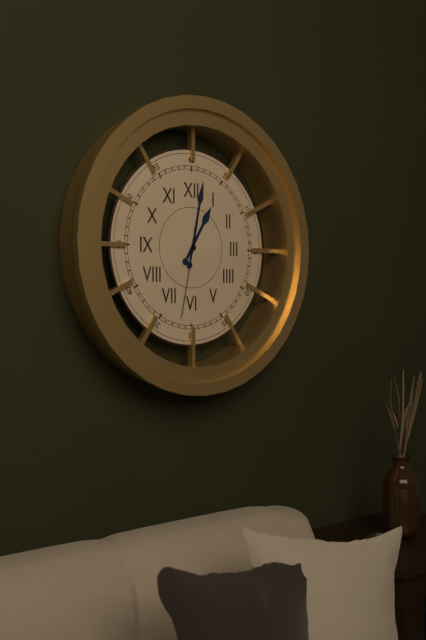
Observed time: 1:02:32
